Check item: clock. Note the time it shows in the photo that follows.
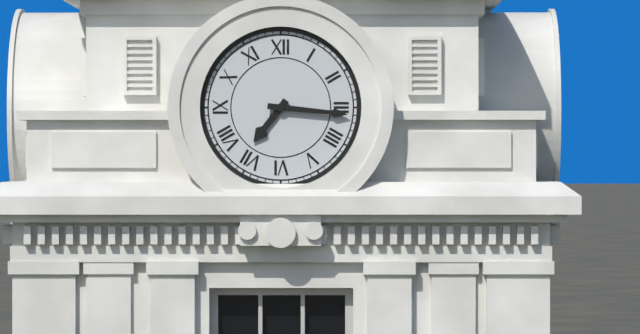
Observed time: 7:16
